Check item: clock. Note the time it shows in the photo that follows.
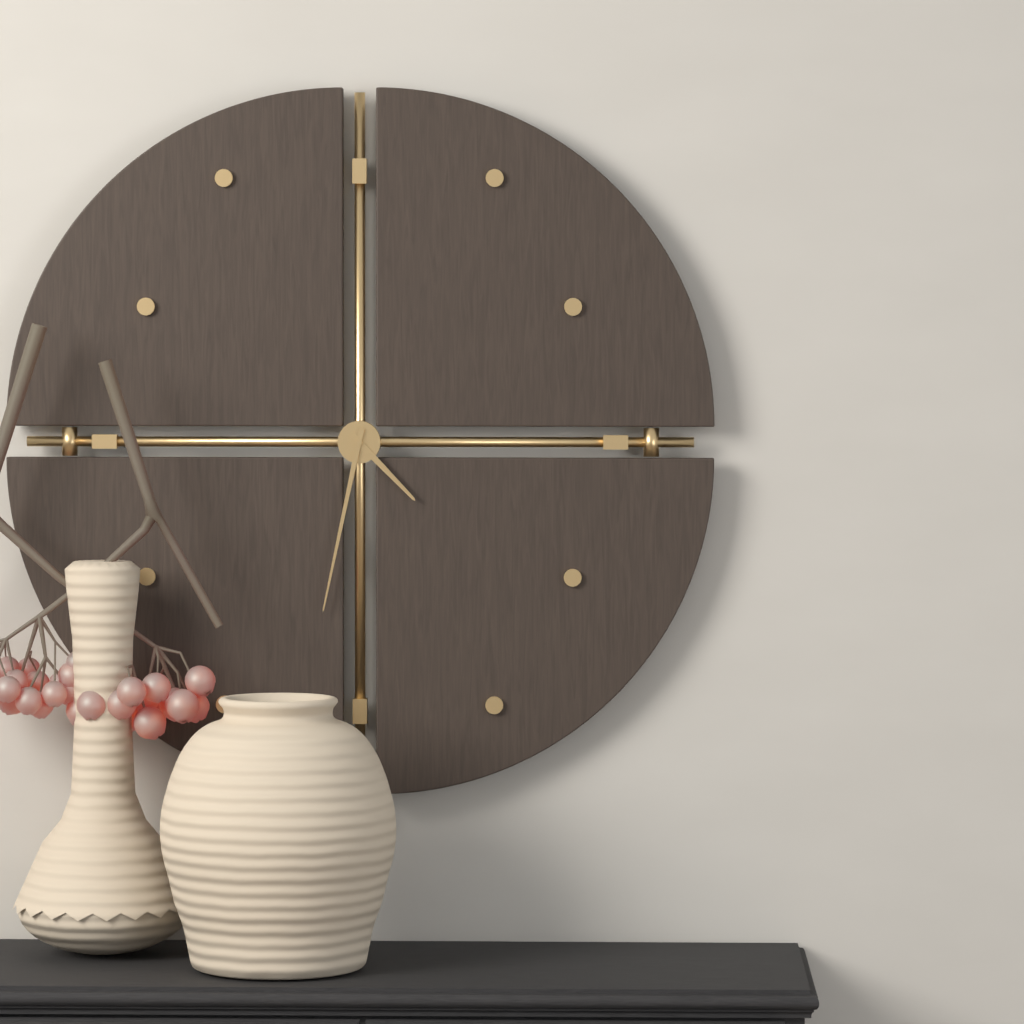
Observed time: 4:32
